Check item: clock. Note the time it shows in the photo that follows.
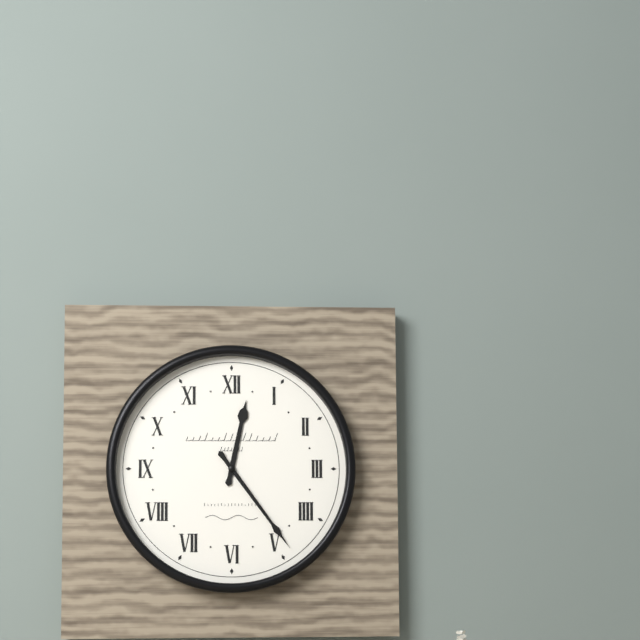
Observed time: 12:24
